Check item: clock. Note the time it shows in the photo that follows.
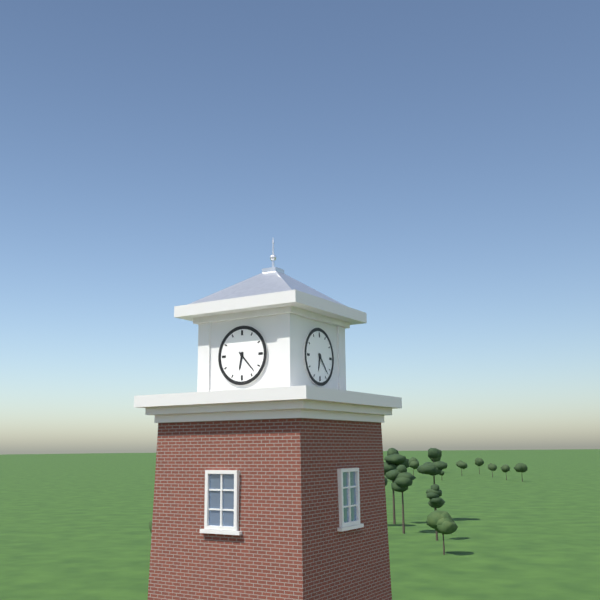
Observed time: 6:23
